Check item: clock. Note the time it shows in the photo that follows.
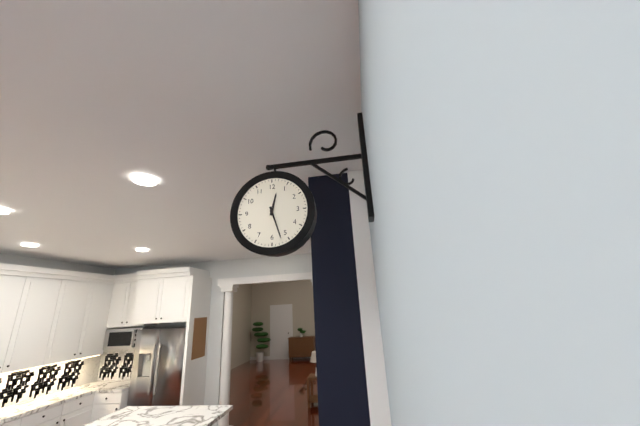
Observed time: 12:27
